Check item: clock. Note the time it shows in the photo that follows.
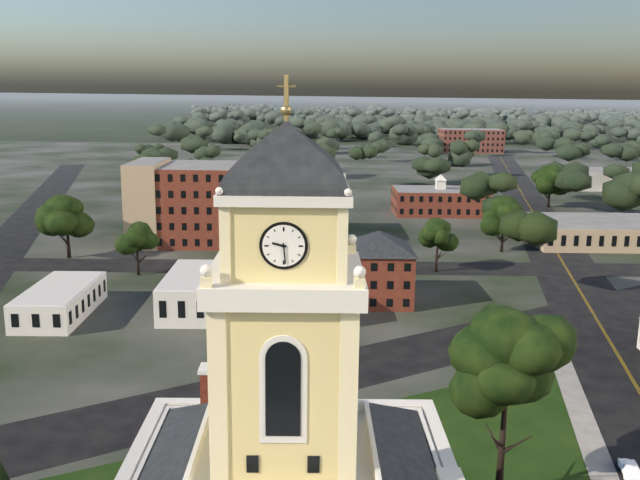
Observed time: 9:29
